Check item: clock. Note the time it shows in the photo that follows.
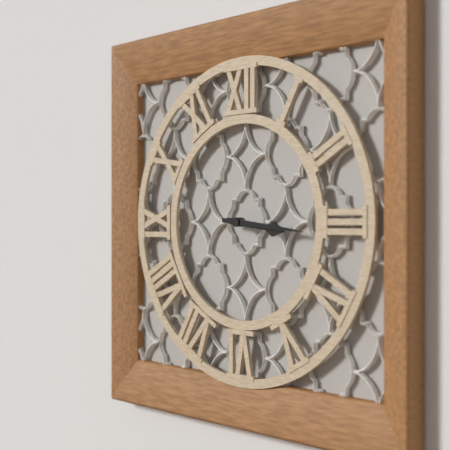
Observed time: 3:16
